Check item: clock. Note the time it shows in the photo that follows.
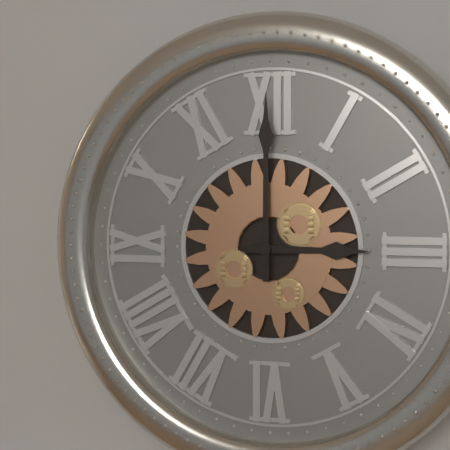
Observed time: 3:00
